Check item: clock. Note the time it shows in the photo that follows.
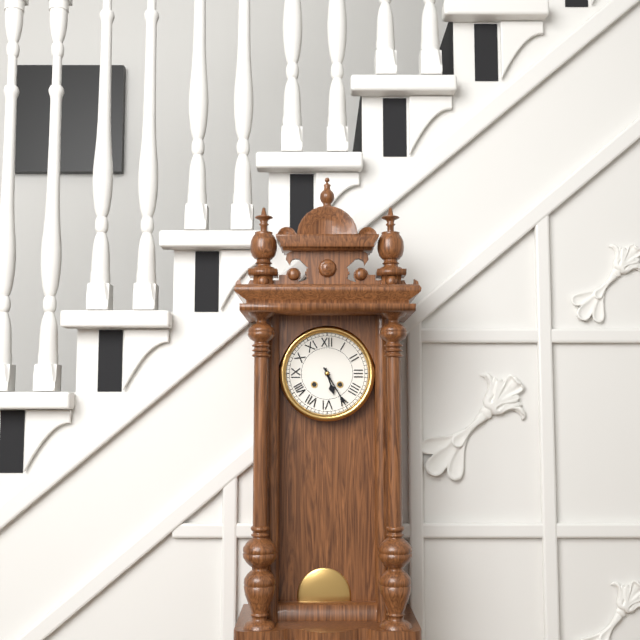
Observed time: 5:25
